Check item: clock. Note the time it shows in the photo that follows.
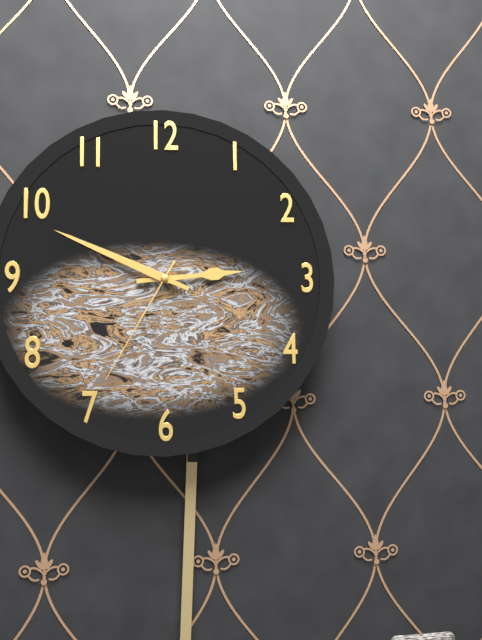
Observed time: 2:49:35
